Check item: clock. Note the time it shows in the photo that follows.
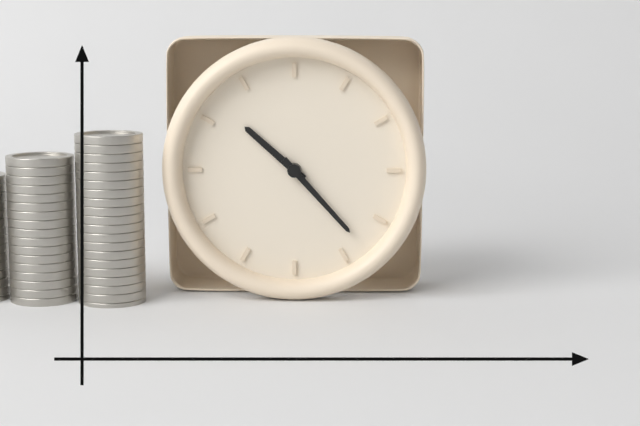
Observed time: 10:23
